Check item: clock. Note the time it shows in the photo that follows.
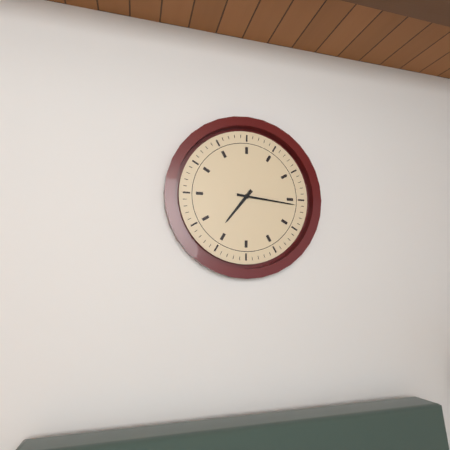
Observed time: 7:16
